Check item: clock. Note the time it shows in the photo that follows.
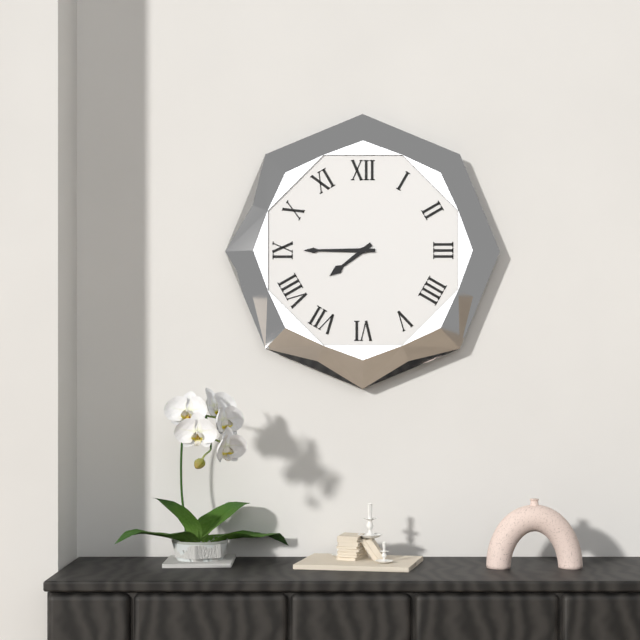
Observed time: 7:45
